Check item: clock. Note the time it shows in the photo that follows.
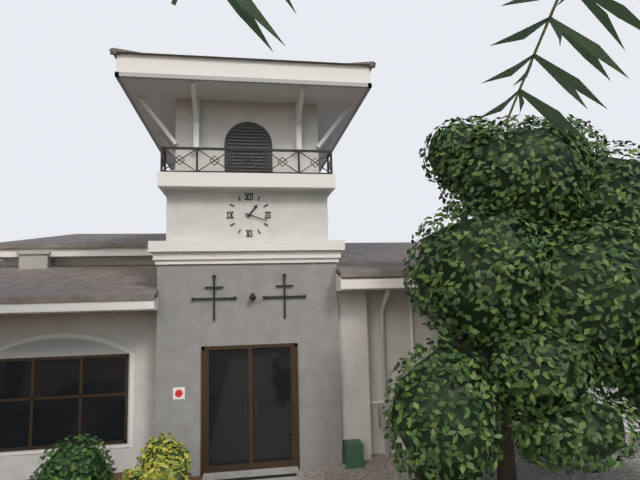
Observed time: 1:18
